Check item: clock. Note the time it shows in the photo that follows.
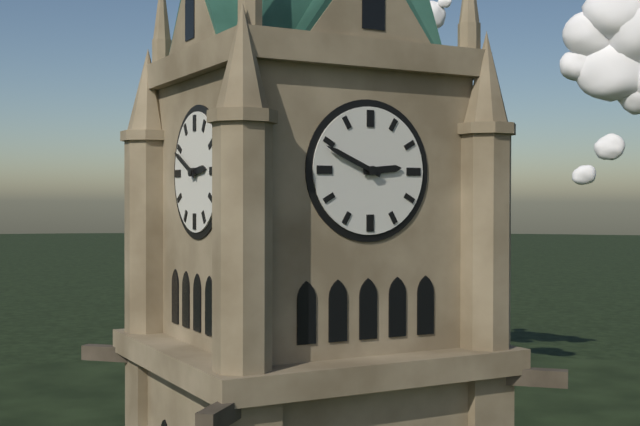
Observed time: 2:49
